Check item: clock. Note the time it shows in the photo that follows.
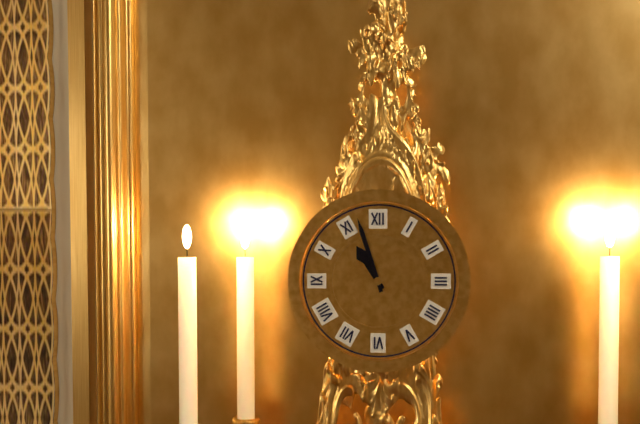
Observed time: 10:57
